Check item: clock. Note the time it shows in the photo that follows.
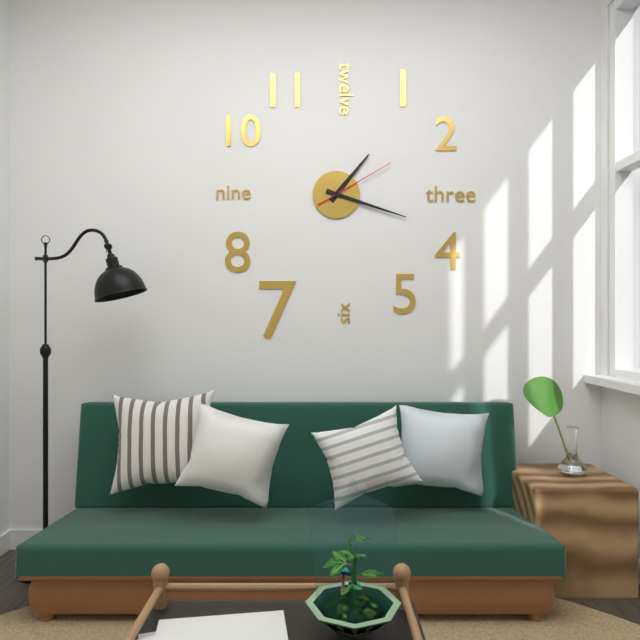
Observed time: 1:18:10
